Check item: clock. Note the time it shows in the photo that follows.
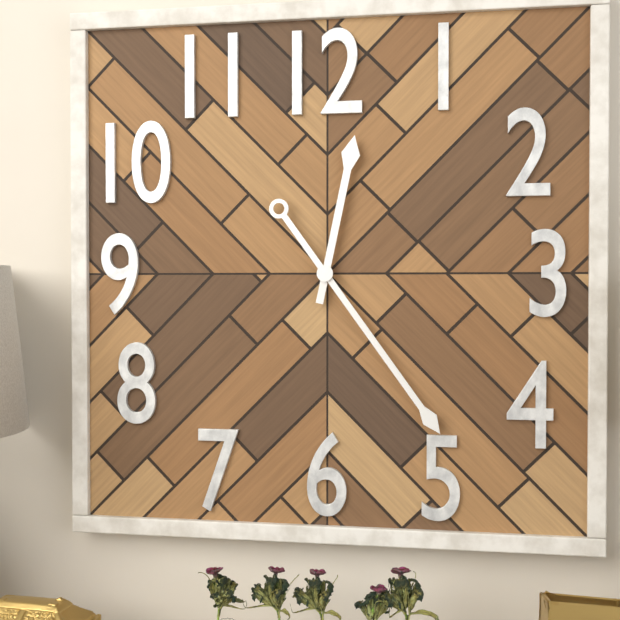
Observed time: 12:24
